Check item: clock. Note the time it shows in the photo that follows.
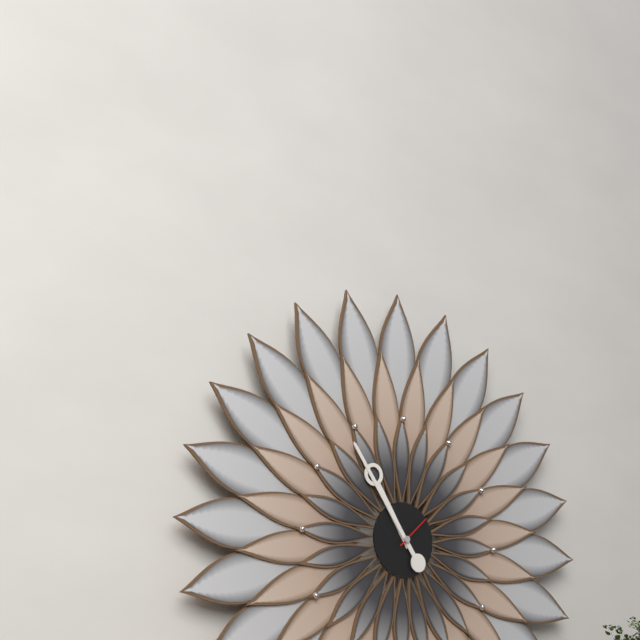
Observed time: 10:54
